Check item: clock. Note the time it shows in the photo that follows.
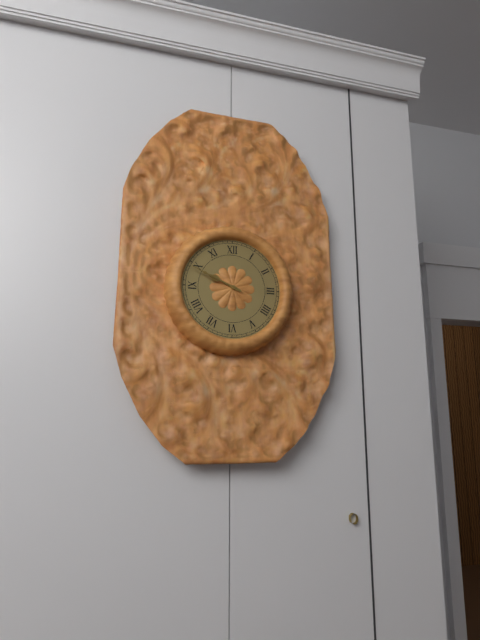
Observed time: 9:49
